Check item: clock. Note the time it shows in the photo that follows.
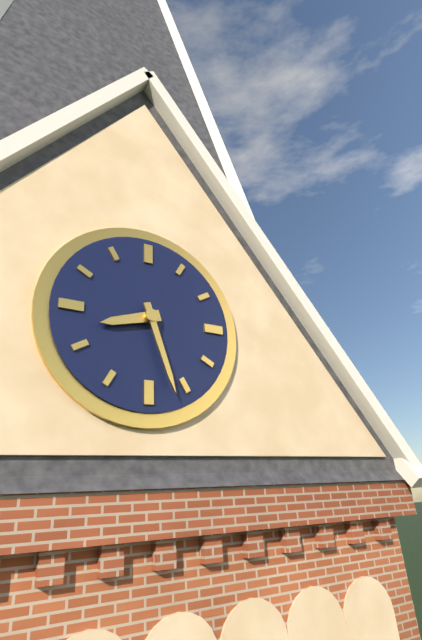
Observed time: 8:27
